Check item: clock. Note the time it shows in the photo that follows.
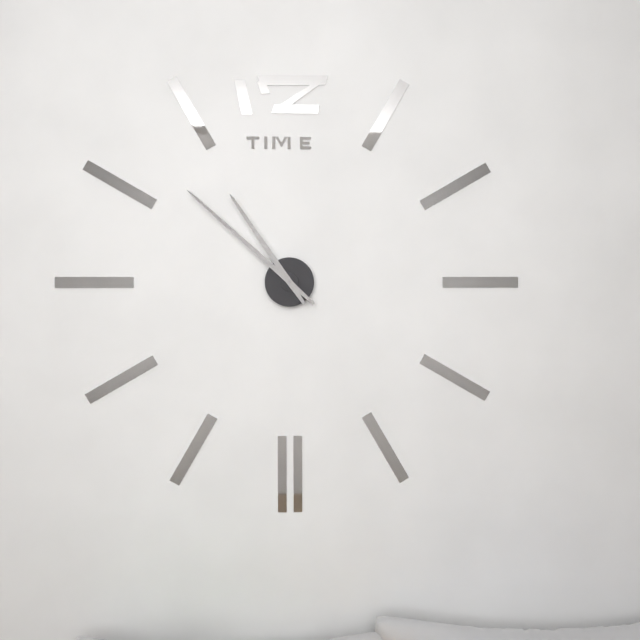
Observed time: 10:52
